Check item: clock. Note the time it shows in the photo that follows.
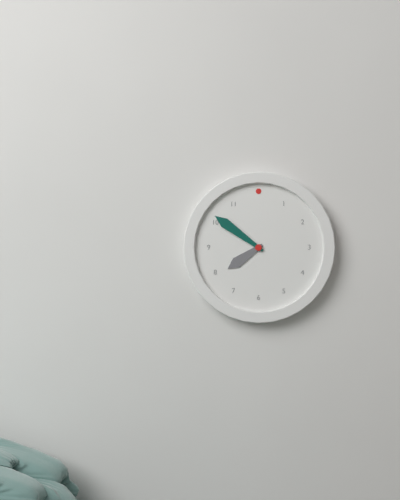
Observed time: 7:51
